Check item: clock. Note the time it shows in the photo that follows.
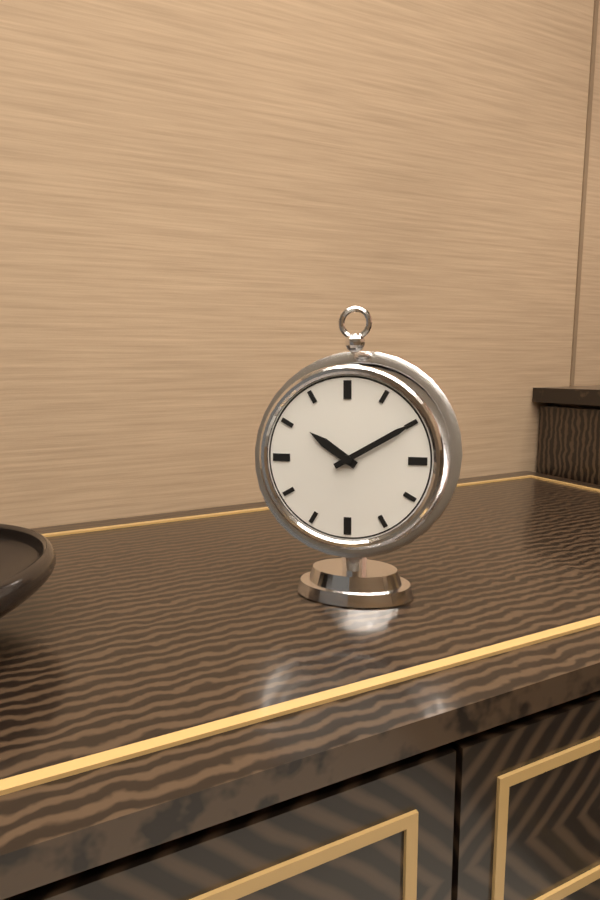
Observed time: 10:10
